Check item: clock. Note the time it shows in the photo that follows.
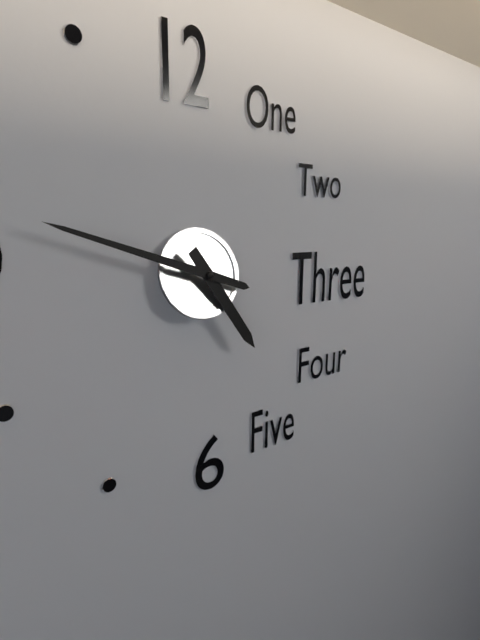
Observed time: 4:48
